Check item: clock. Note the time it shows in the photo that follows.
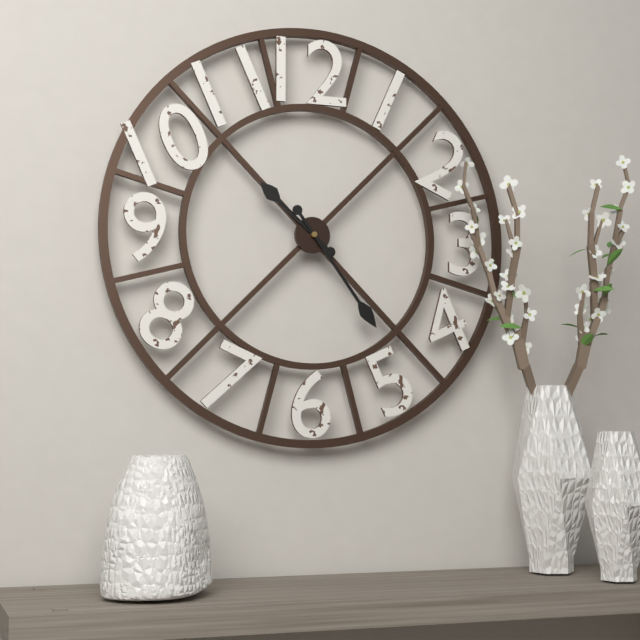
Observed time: 10:24
